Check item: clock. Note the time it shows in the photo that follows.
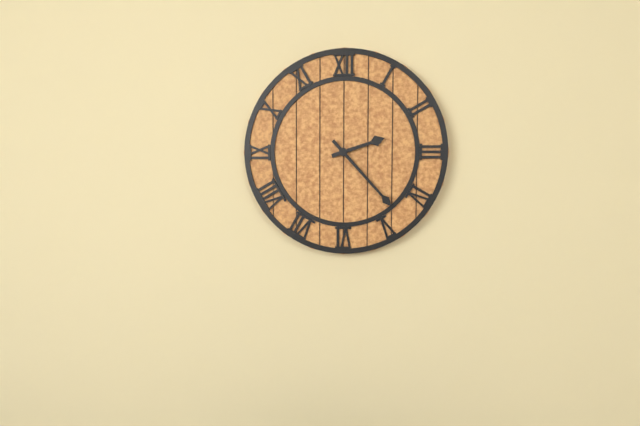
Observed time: 2:23
